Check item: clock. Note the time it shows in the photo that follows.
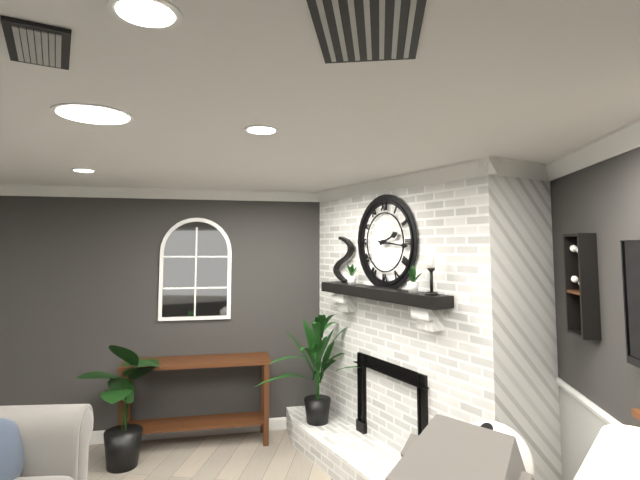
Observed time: 2:16
